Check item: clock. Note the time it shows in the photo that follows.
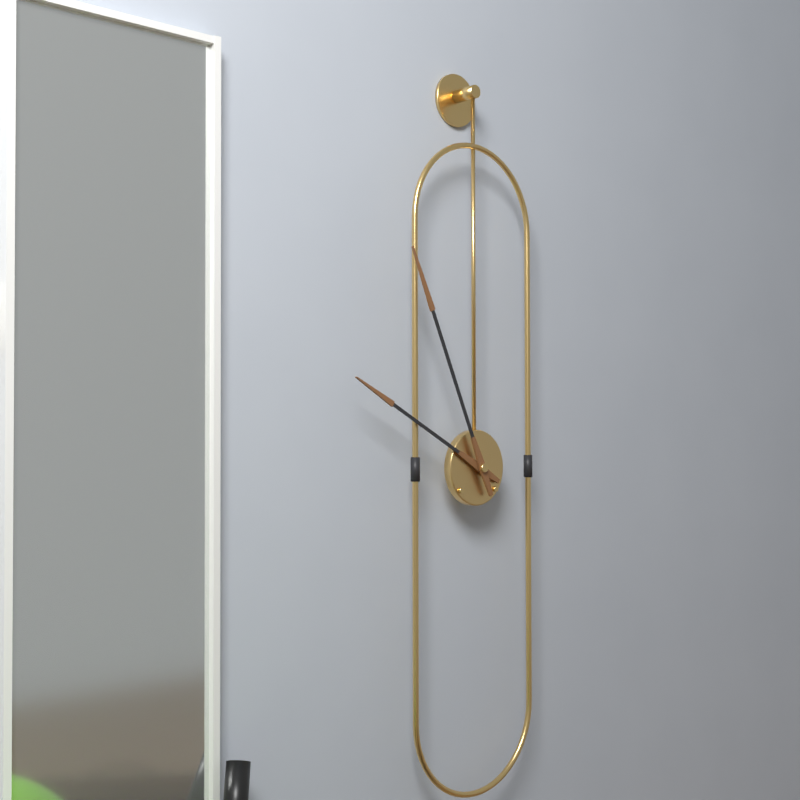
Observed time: 9:56
